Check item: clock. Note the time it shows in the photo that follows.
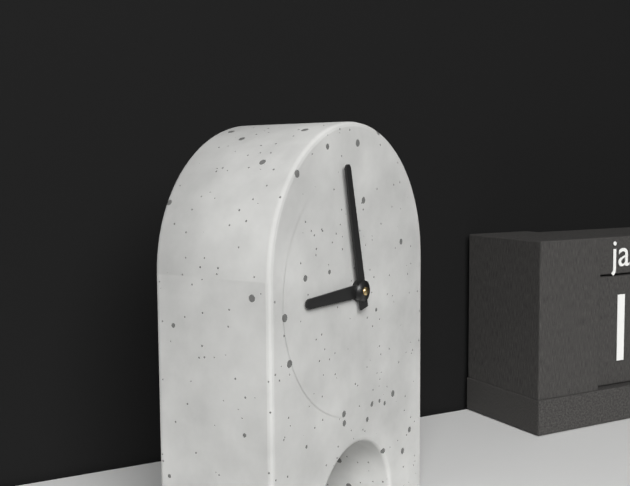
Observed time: 8:58
